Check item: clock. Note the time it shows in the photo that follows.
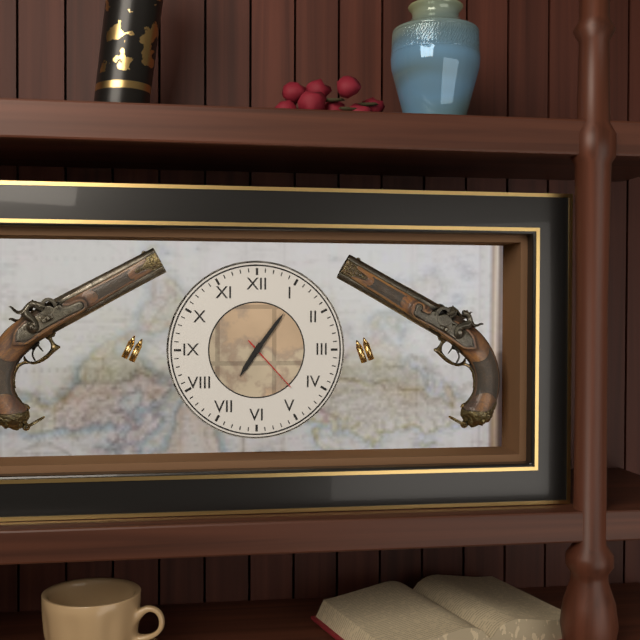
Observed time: 7:06:23
